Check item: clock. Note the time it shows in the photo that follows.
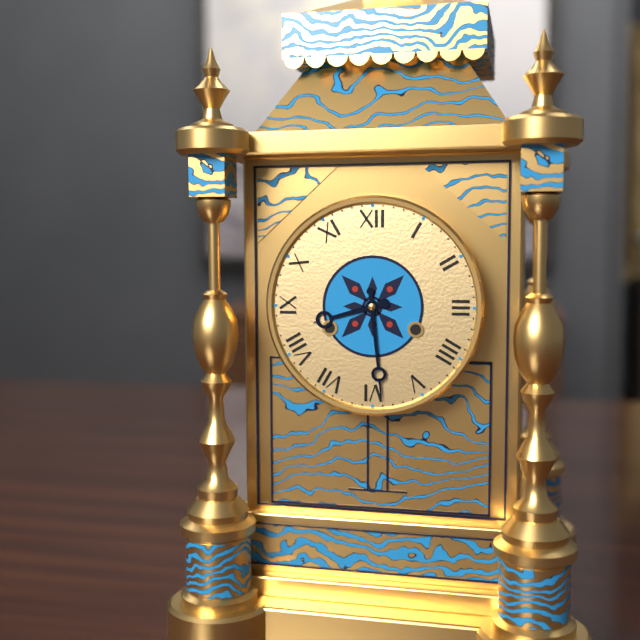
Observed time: 8:29
